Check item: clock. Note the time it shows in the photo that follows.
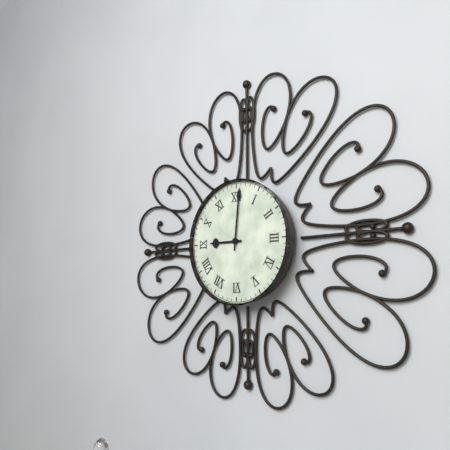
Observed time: 9:01
